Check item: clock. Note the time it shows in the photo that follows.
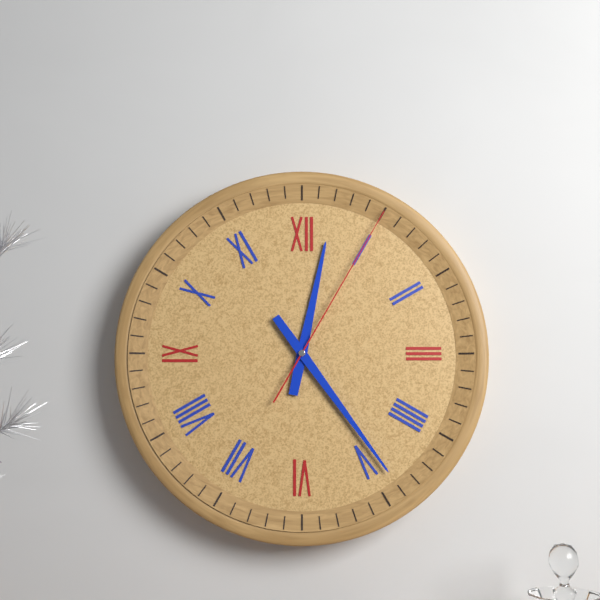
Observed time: 12:24:05
